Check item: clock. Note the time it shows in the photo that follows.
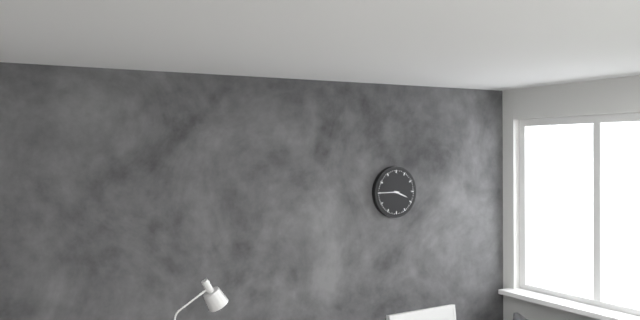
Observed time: 3:45
